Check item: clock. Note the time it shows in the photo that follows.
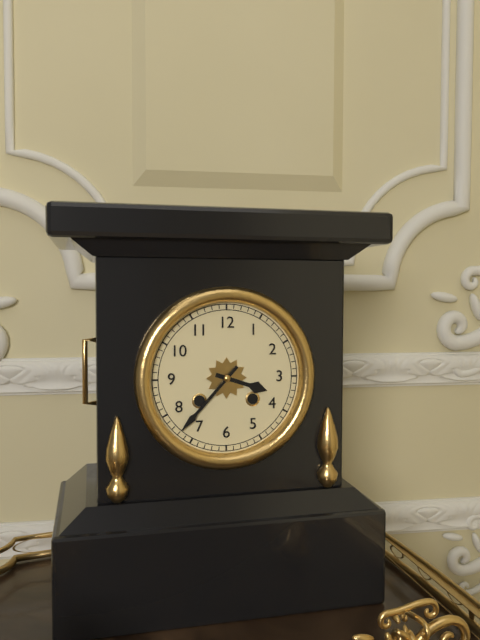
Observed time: 3:37
